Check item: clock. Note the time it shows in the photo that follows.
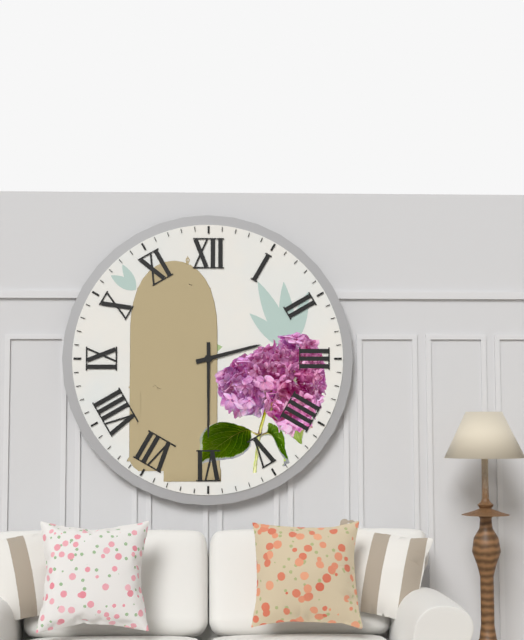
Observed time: 2:30
